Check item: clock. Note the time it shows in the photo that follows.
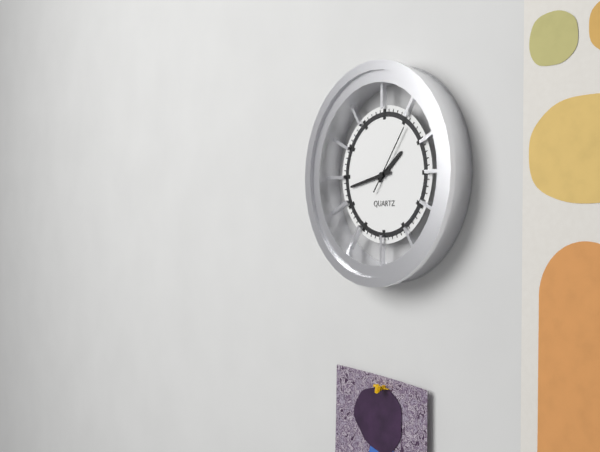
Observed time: 1:43:06
